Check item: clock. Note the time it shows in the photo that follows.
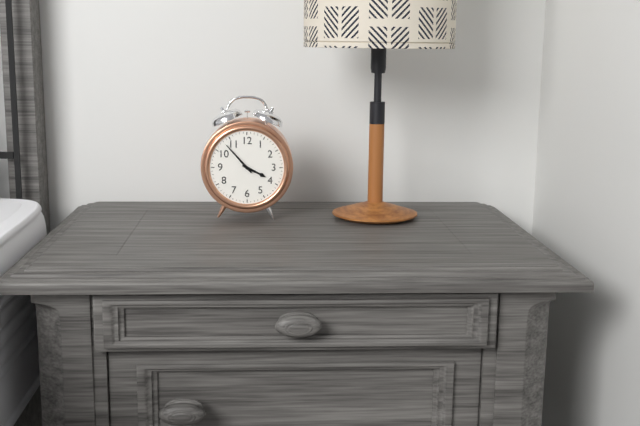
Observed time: 3:53
